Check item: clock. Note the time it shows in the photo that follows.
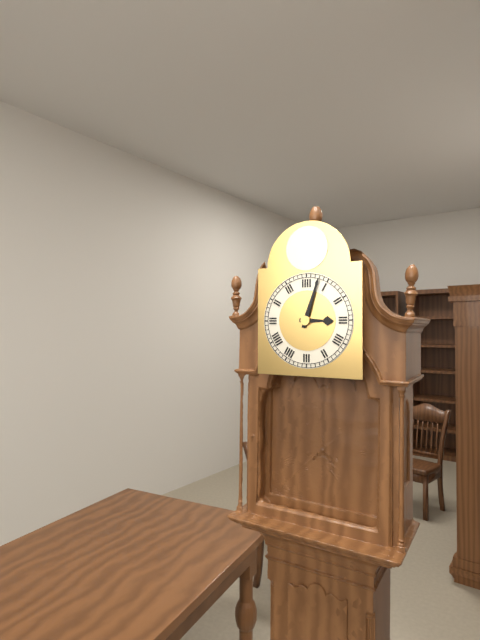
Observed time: 3:03
